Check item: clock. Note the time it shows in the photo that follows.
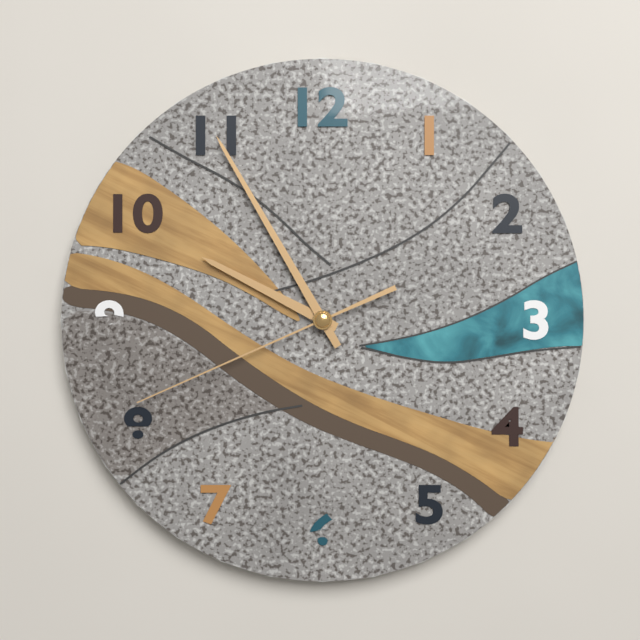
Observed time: 9:55:41
